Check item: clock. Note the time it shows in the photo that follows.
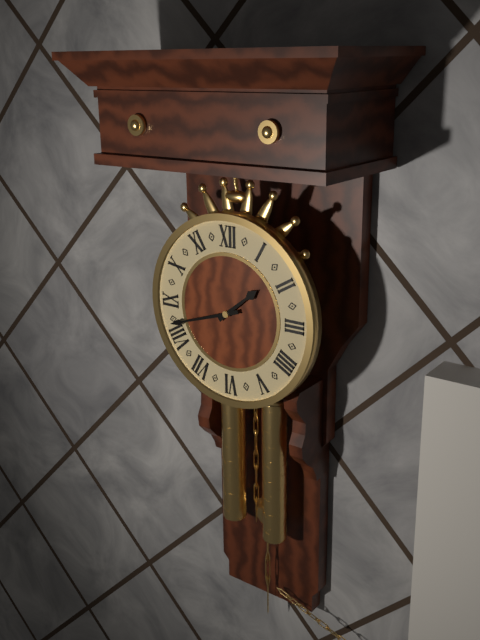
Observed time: 1:42
